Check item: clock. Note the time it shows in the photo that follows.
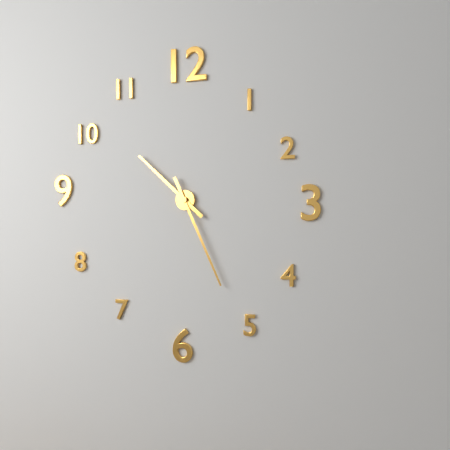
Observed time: 10:26
